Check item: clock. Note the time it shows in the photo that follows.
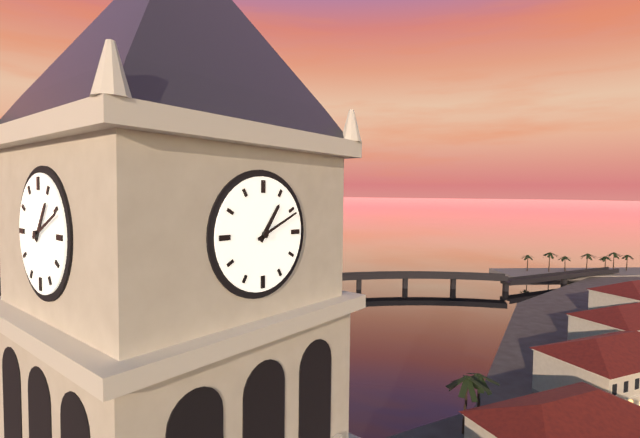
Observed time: 1:11
